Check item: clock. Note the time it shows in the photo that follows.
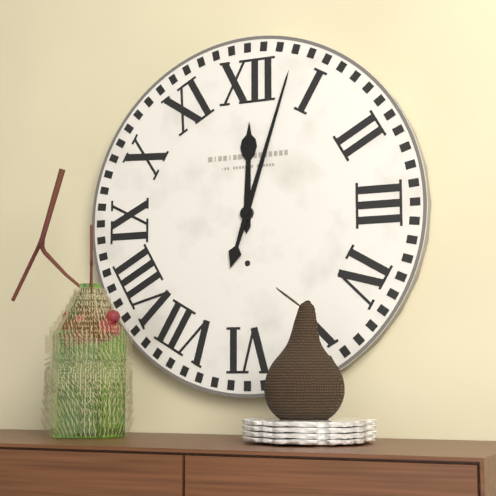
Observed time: 12:03
